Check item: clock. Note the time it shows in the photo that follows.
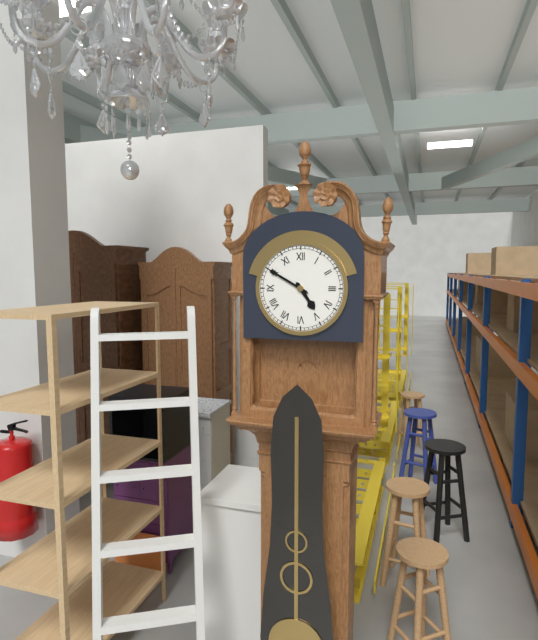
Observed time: 4:50
